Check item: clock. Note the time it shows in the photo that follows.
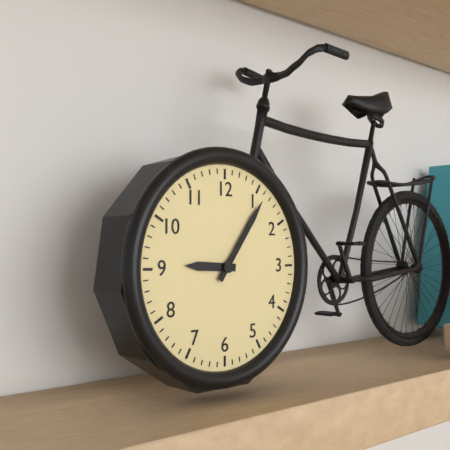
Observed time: 9:06
